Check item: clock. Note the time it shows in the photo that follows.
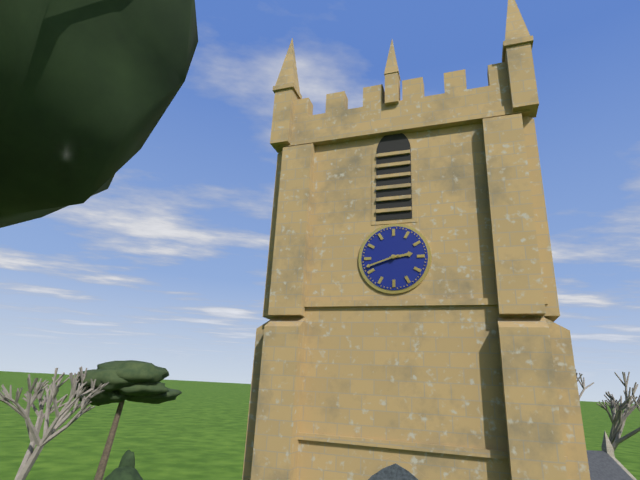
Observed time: 2:42
